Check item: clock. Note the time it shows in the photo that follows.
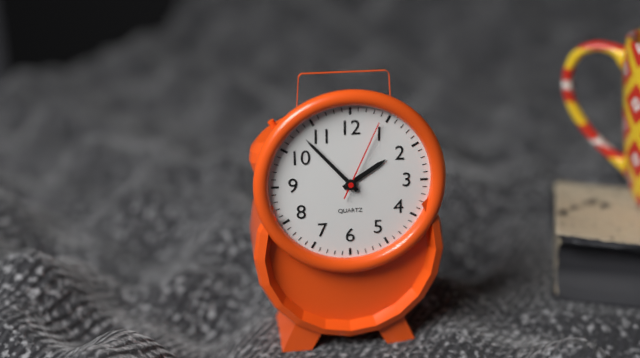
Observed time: 1:53:04
